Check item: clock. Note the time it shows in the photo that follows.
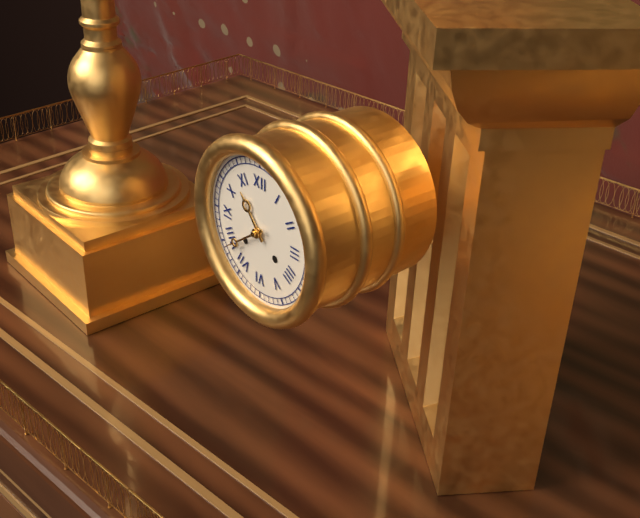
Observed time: 10:39
